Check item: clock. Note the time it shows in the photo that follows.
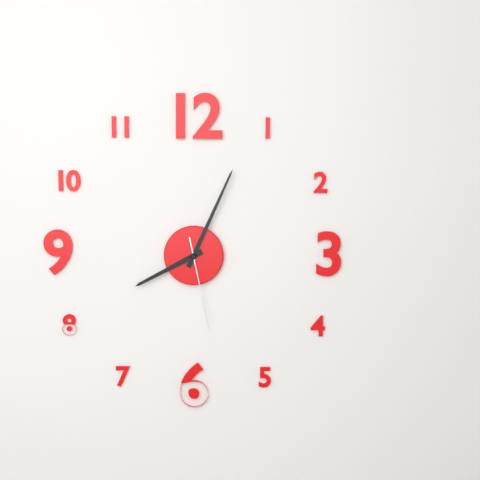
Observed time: 8:04:28
